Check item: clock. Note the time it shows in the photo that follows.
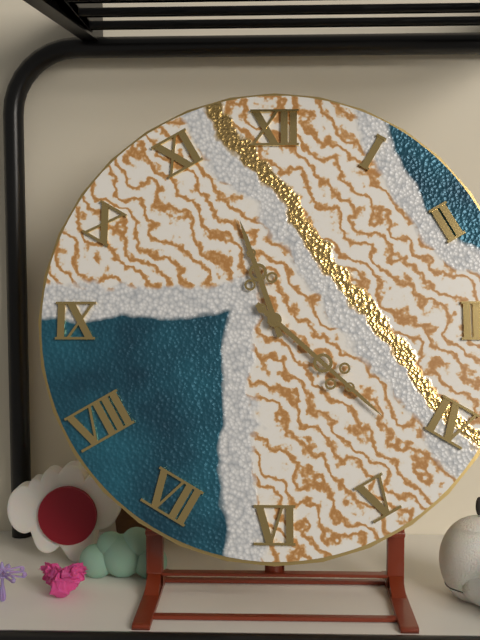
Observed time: 11:22
